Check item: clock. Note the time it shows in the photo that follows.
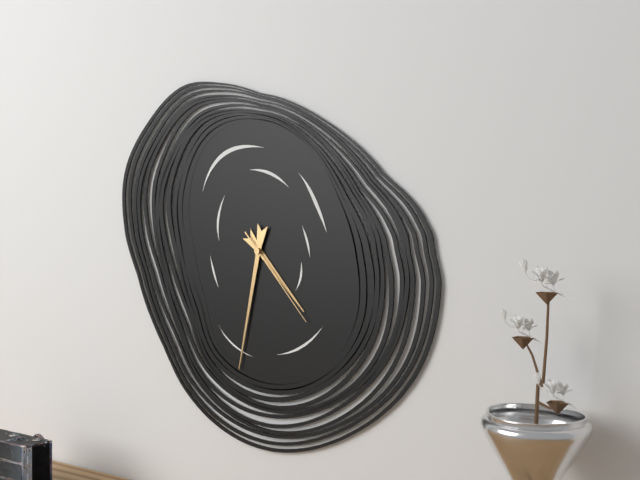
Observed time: 4:32:23
